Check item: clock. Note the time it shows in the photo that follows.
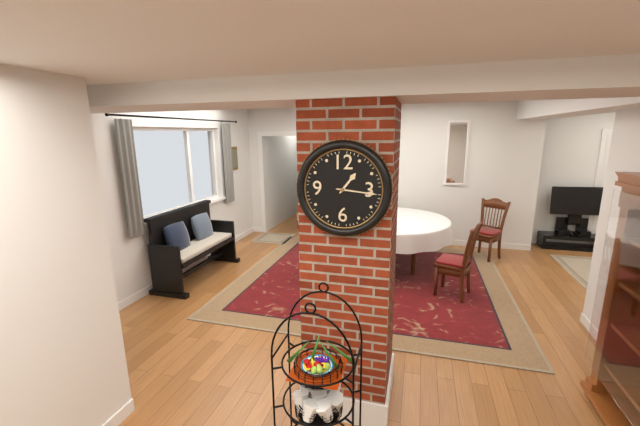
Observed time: 1:16
